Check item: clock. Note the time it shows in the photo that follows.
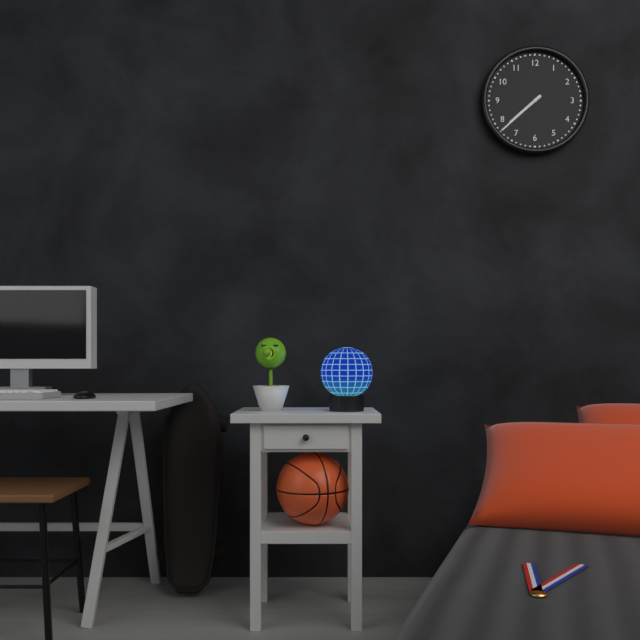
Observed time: 7:38
